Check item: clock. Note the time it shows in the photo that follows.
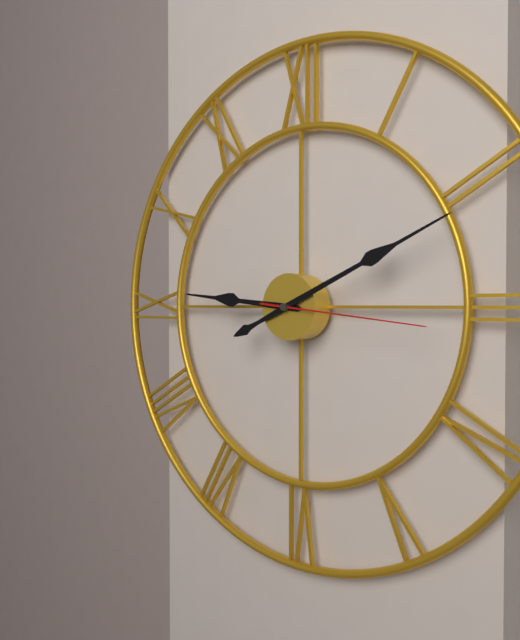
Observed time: 9:11:16
